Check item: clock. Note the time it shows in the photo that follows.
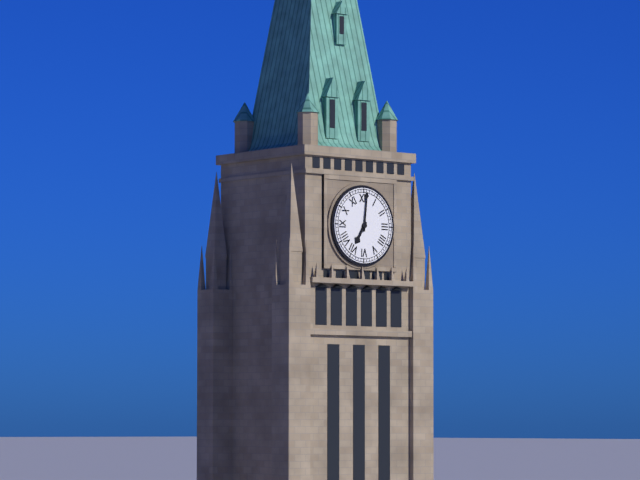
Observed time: 7:01
